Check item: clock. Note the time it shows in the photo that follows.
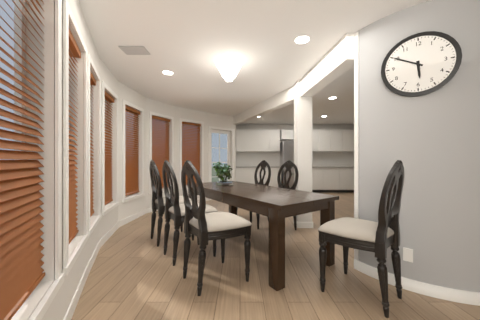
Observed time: 5:50
